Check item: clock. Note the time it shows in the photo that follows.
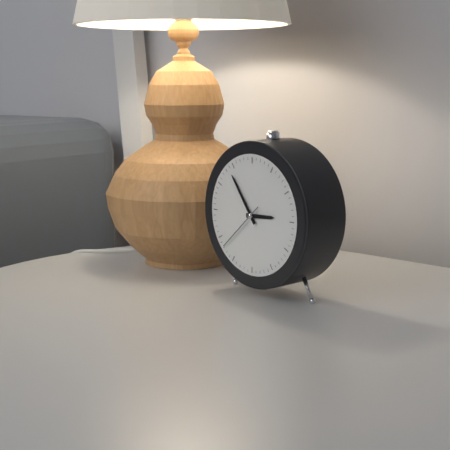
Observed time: 2:54:38
